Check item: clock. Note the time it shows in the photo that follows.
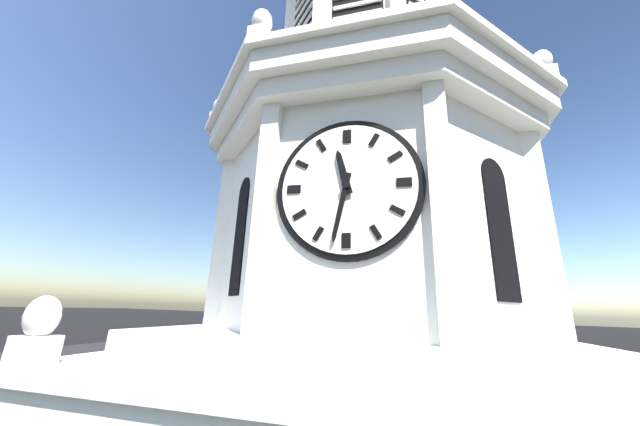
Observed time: 11:32
